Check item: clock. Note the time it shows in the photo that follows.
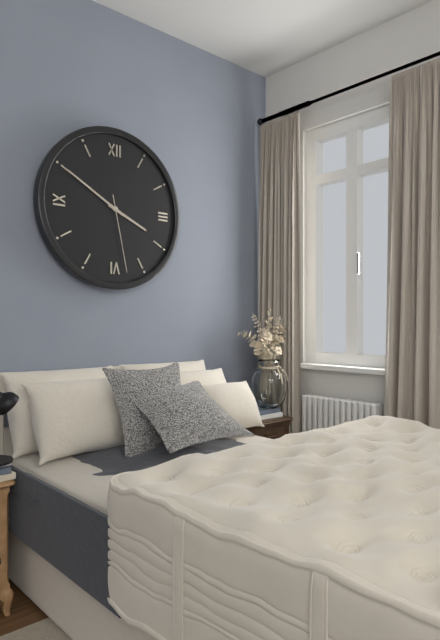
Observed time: 3:50:28
